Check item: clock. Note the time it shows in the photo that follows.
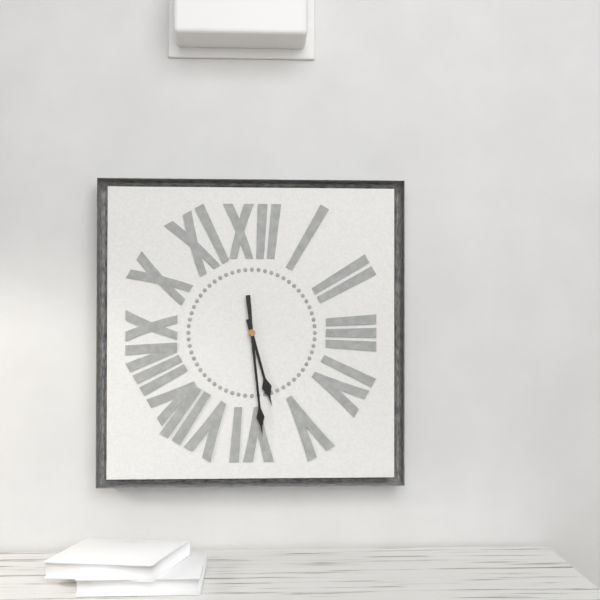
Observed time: 5:29
